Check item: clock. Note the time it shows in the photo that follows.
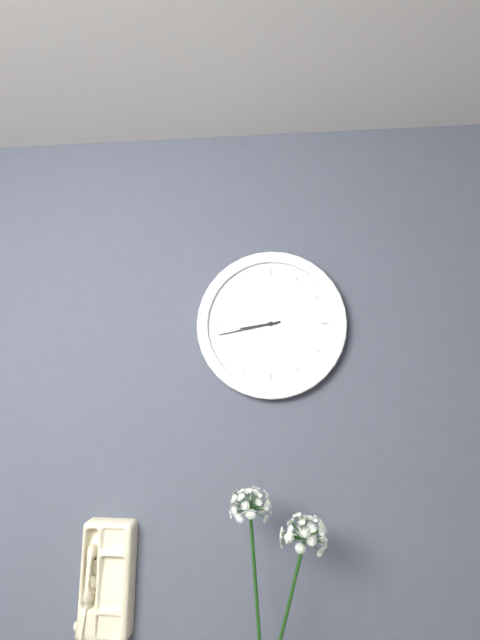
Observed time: 8:43
